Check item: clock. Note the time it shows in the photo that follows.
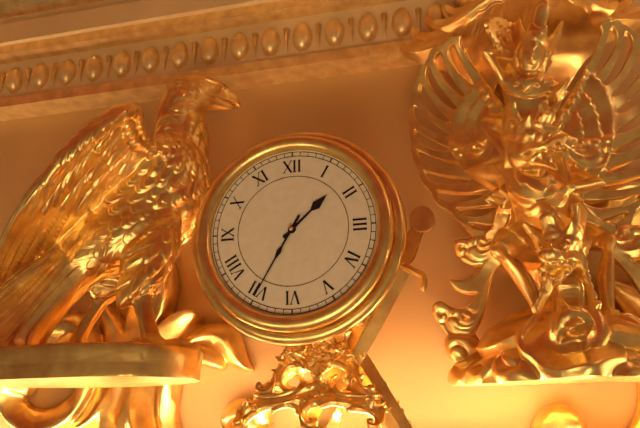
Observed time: 1:35
